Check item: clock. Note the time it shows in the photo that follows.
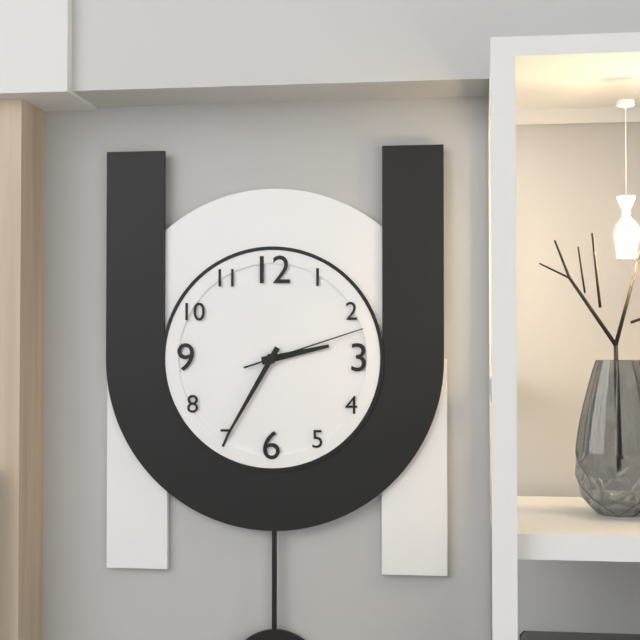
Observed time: 2:35:12
